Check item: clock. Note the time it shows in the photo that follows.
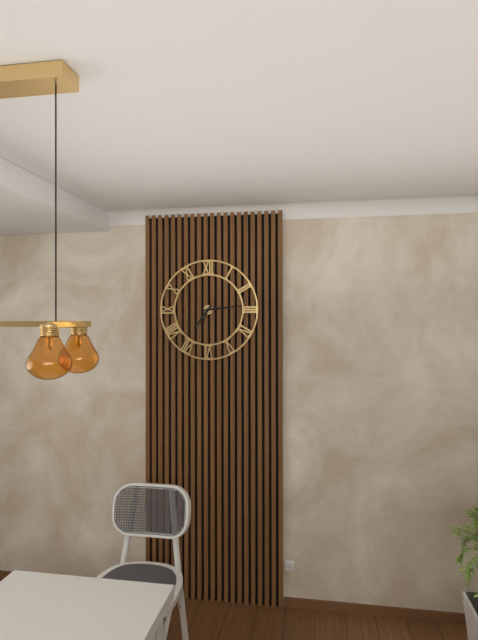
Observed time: 7:14
